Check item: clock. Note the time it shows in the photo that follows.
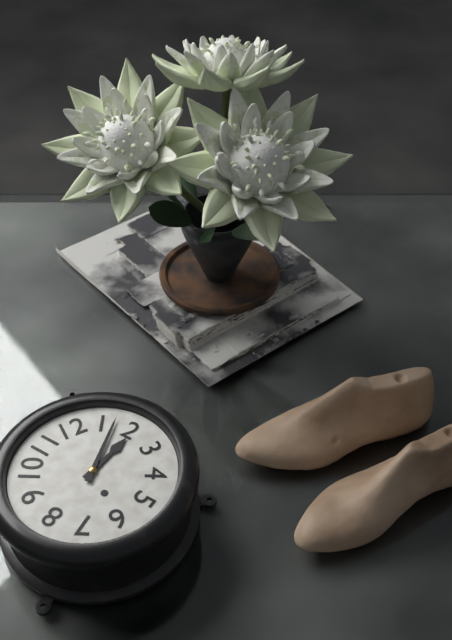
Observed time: 2:07
